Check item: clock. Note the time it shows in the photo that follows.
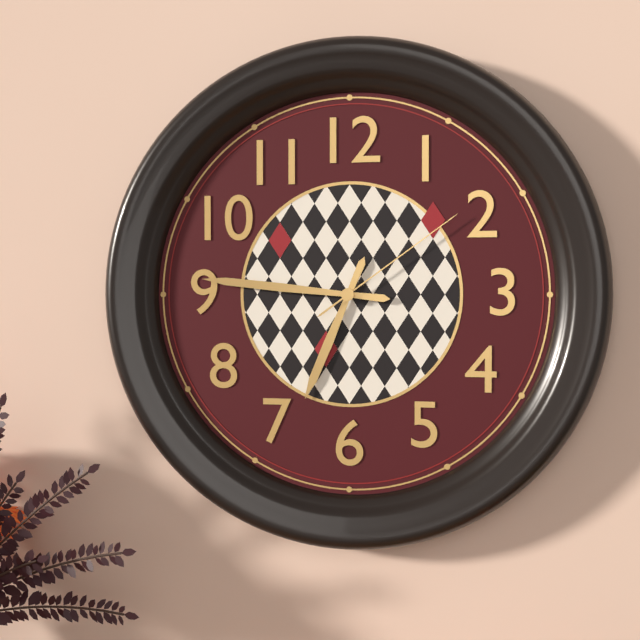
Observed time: 6:46:09
